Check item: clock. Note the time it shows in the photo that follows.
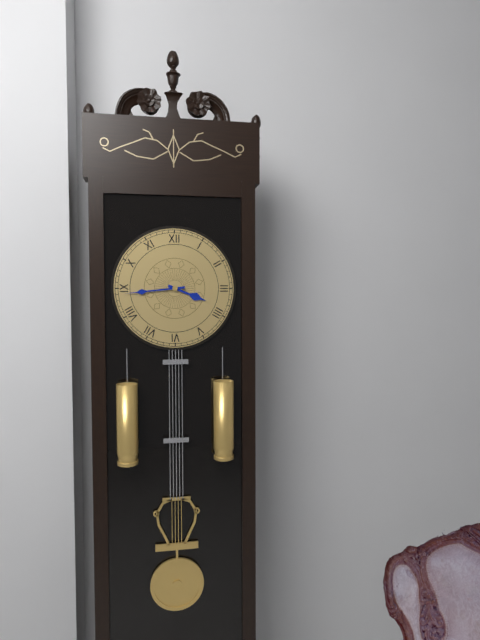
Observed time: 3:44
